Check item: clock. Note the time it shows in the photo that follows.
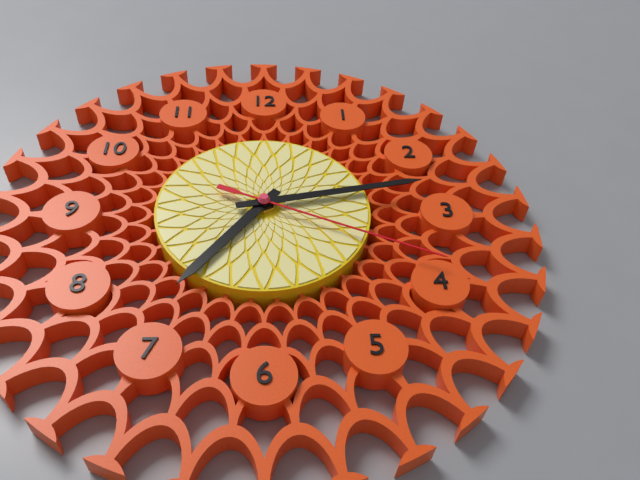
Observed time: 7:13:19
